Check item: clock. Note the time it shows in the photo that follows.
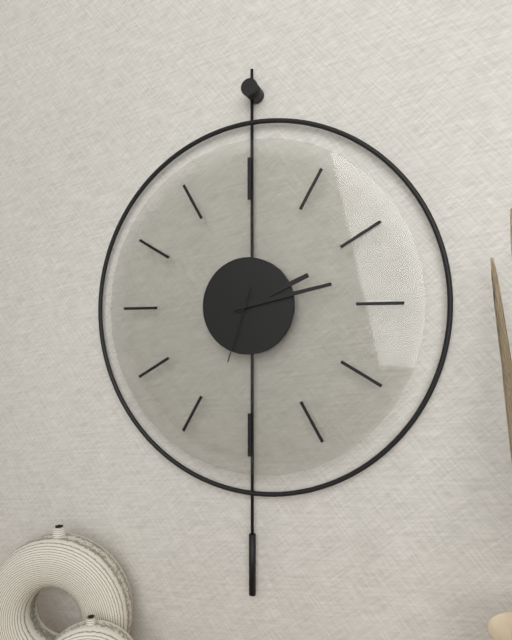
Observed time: 2:13:33
